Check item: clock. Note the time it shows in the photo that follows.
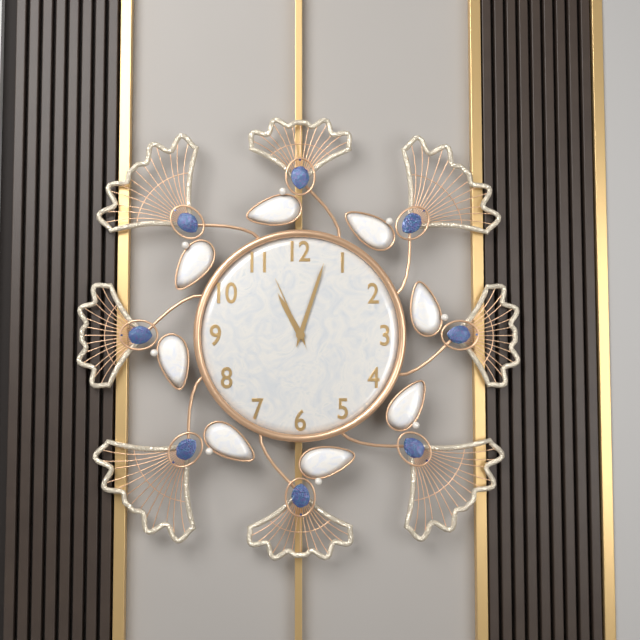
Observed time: 11:03:56
